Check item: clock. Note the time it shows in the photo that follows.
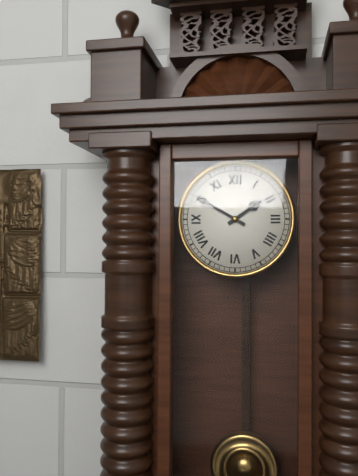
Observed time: 1:50
